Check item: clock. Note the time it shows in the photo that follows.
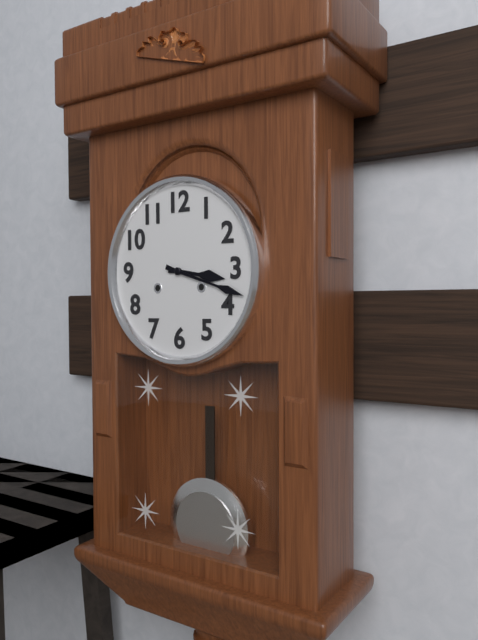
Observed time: 3:18
